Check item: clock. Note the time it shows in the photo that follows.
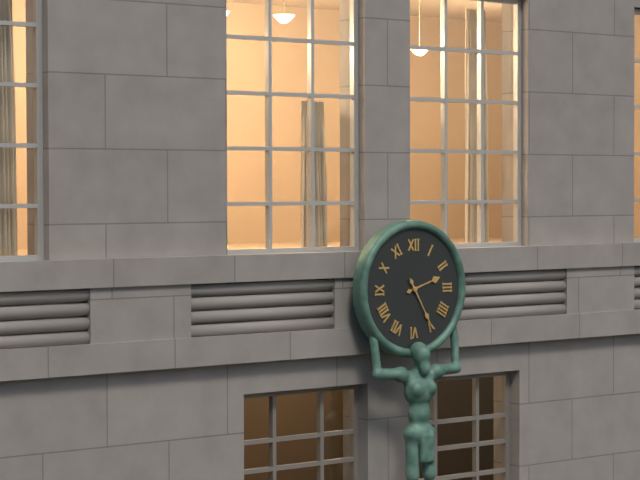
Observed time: 2:25
